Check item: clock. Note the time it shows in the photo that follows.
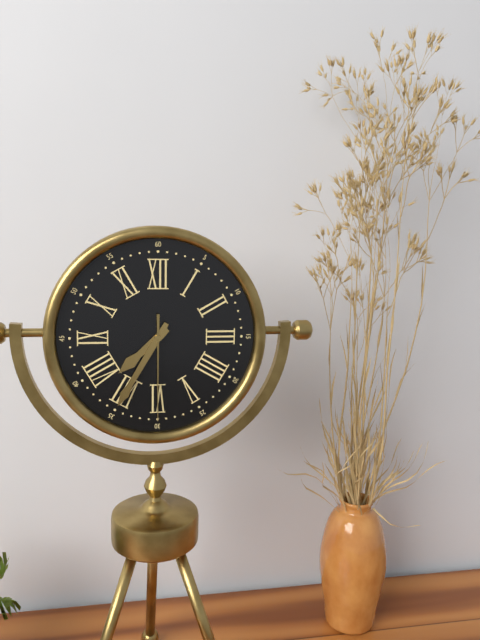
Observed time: 7:35:30
